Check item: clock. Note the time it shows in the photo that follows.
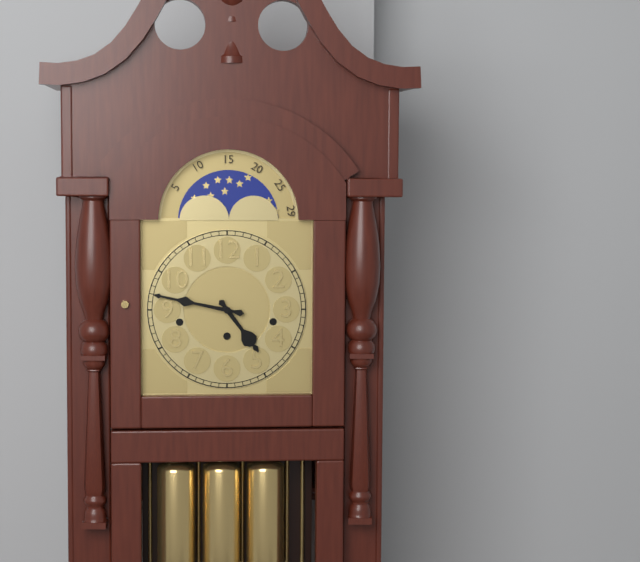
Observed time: 4:47
